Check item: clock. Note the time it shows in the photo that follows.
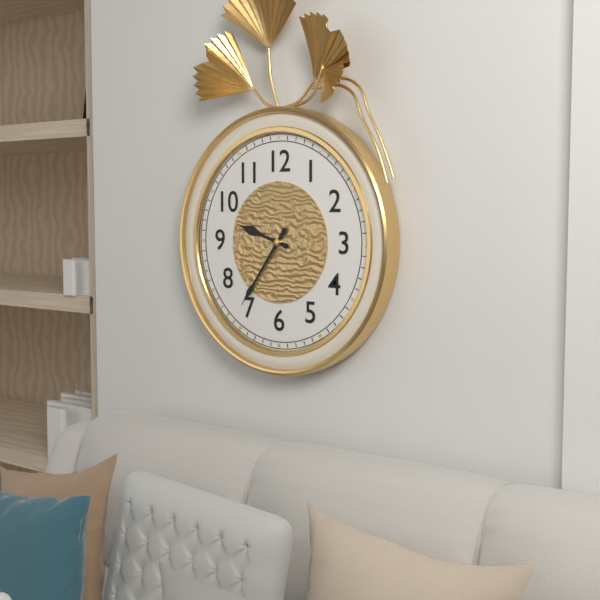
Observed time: 9:36
